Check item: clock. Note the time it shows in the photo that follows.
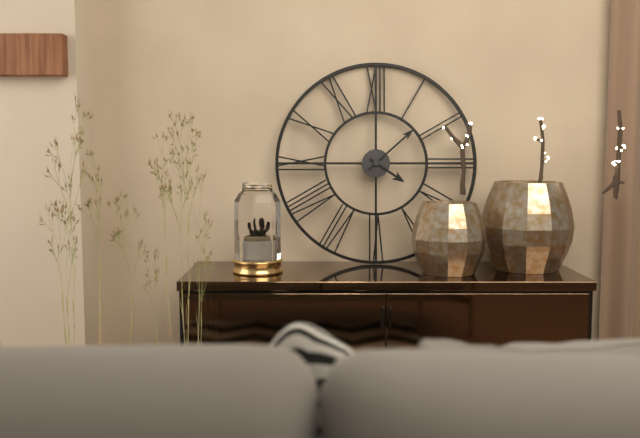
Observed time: 4:08
